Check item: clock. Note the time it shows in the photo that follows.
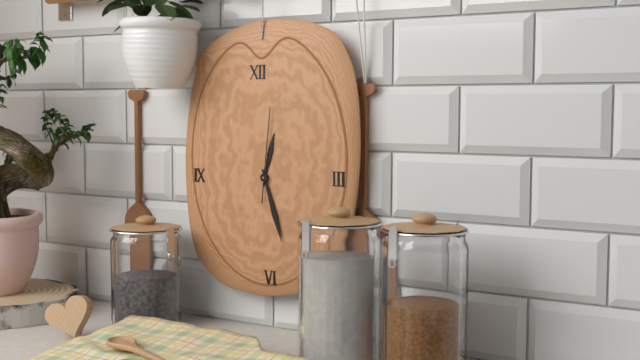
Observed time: 12:27:01
